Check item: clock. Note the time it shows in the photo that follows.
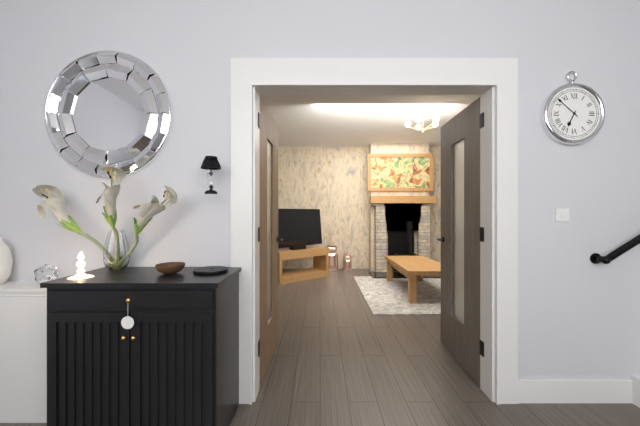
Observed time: 6:52
